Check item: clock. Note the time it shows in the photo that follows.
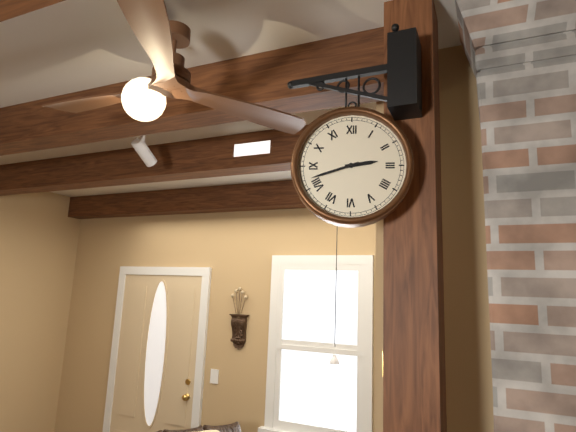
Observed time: 2:42
